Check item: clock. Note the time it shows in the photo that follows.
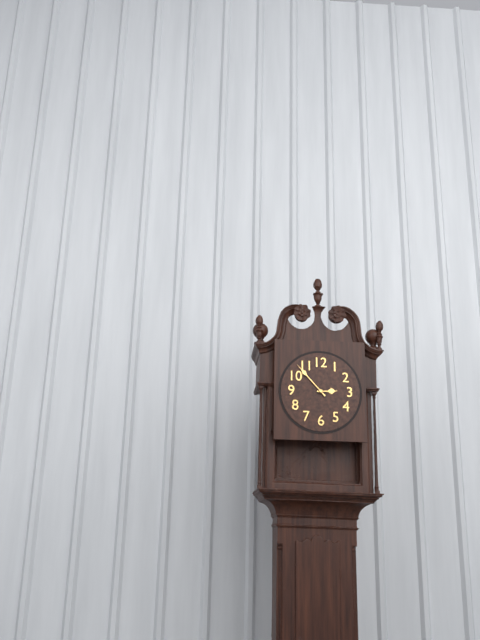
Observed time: 2:53
